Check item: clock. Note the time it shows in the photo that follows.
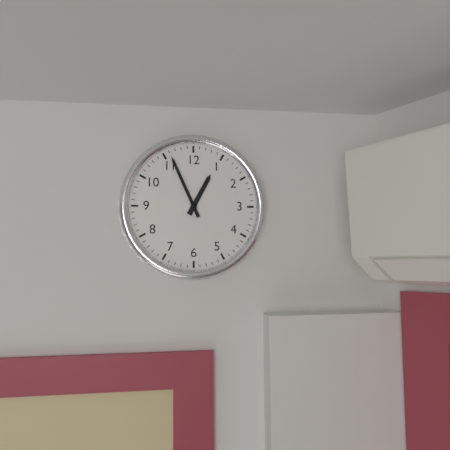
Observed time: 12:56
